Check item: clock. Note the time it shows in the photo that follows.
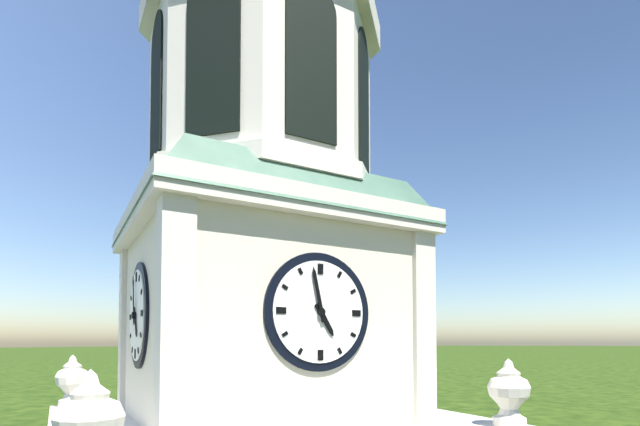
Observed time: 4:58
